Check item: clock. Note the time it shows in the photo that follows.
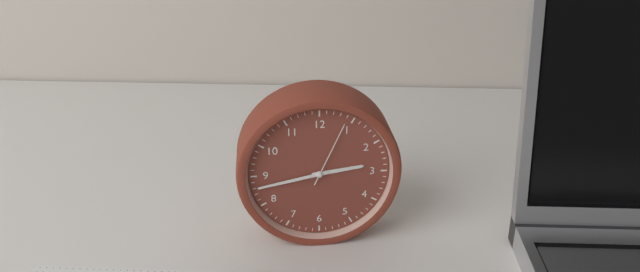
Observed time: 2:43:04
